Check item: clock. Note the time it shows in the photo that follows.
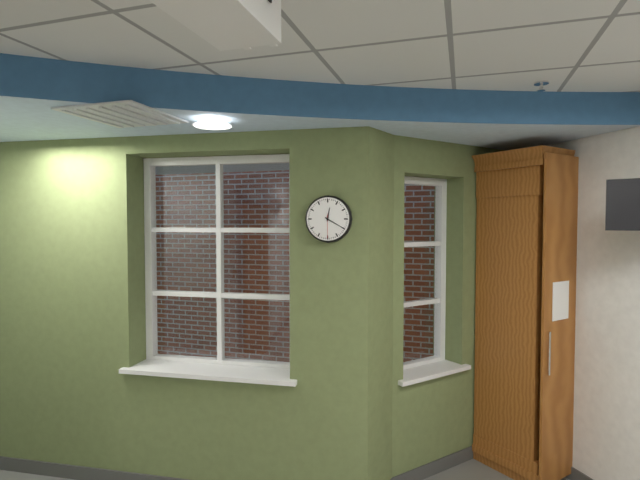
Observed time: 12:20
